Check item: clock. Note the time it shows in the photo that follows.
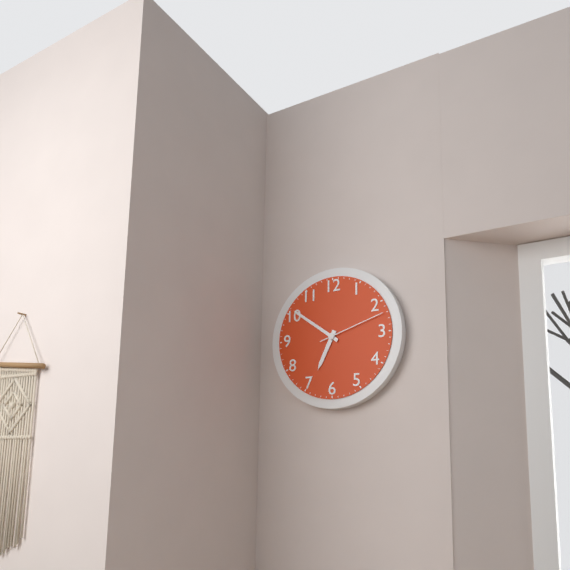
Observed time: 6:51:12
